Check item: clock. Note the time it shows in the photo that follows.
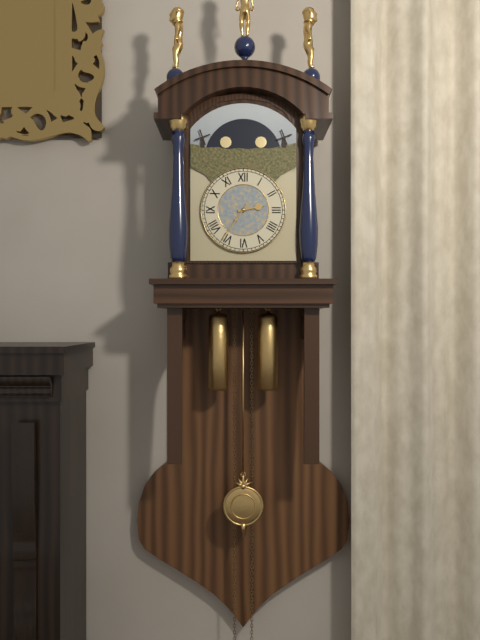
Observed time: 2:36
